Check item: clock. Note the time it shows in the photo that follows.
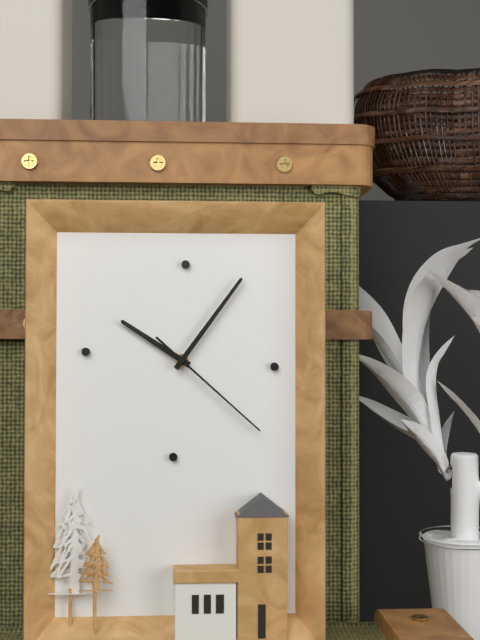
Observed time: 10:06:22
